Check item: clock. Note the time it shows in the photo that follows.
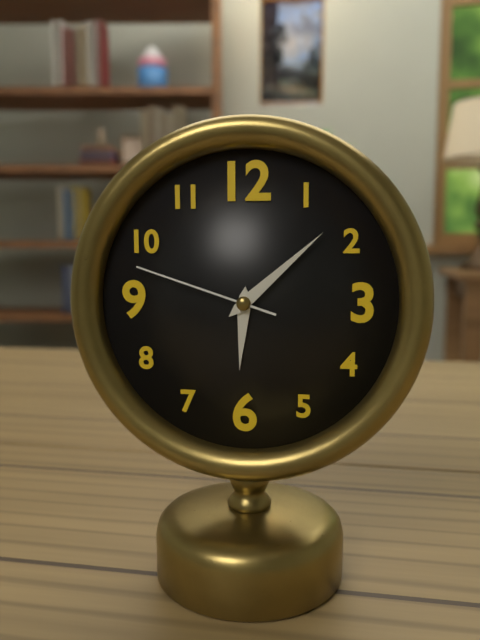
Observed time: 6:08:48
